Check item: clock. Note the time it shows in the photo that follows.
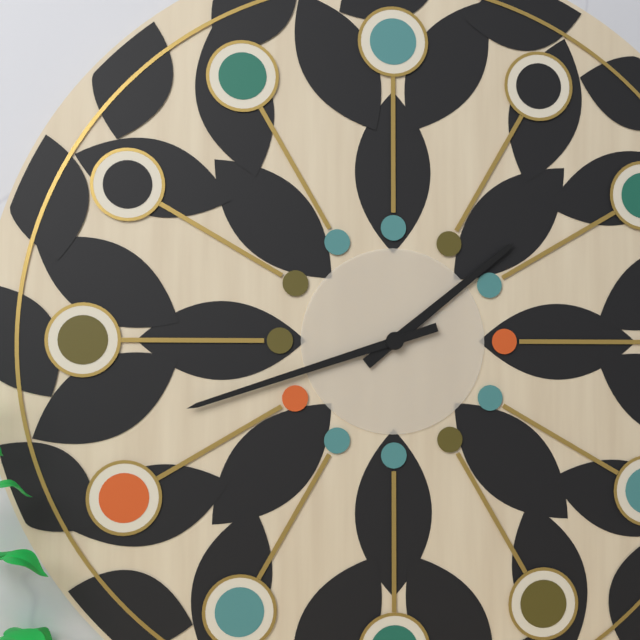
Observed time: 1:42
